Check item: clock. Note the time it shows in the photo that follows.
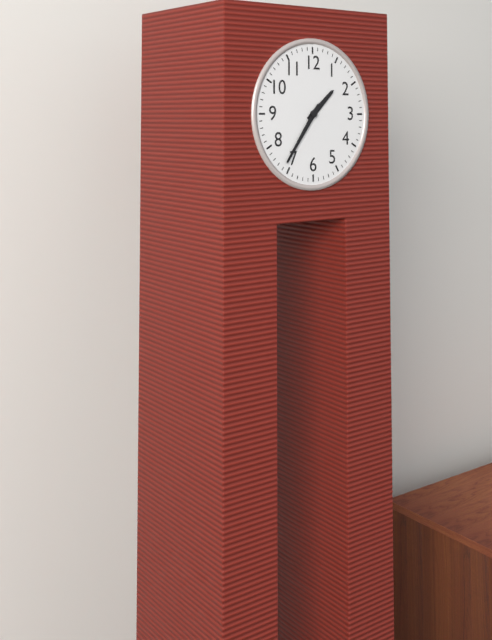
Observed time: 1:36
